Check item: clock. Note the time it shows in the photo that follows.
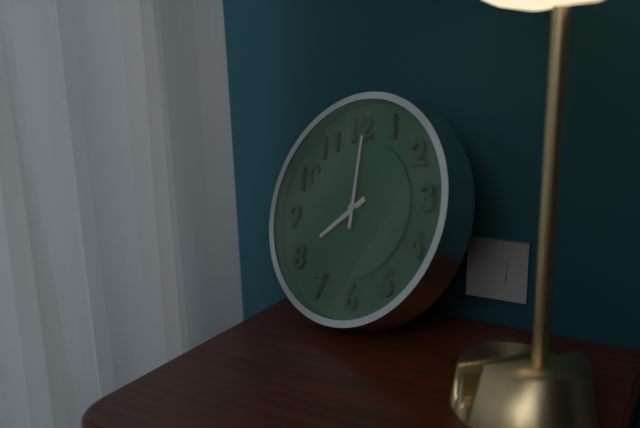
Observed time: 8:01
